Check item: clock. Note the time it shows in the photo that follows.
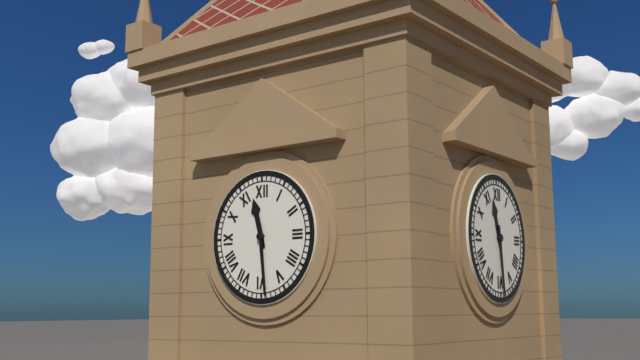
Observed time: 11:29
